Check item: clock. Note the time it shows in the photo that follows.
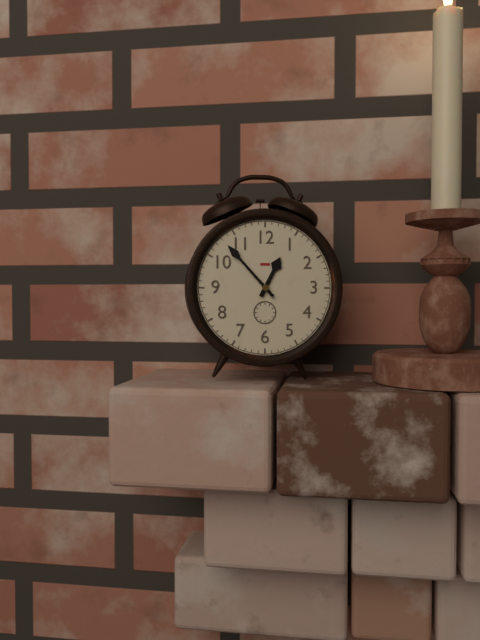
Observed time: 12:53
